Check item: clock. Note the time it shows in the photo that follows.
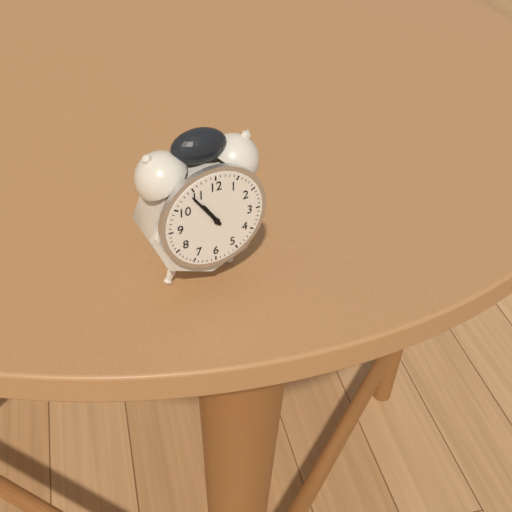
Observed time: 10:54
